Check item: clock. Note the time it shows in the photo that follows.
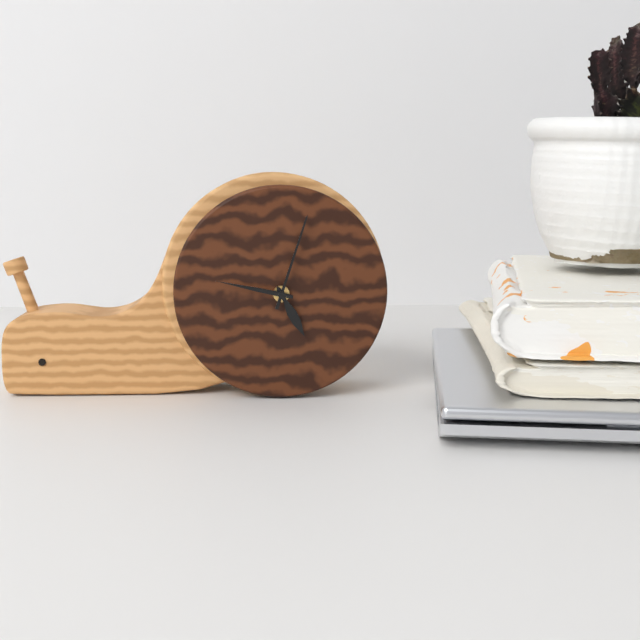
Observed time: 5:03:47
